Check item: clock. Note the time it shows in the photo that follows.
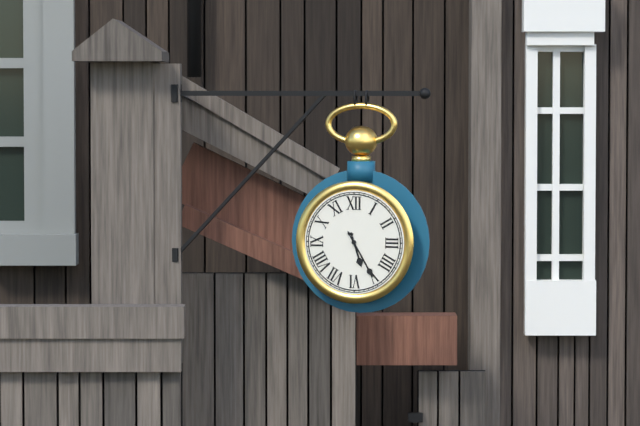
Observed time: 5:25
